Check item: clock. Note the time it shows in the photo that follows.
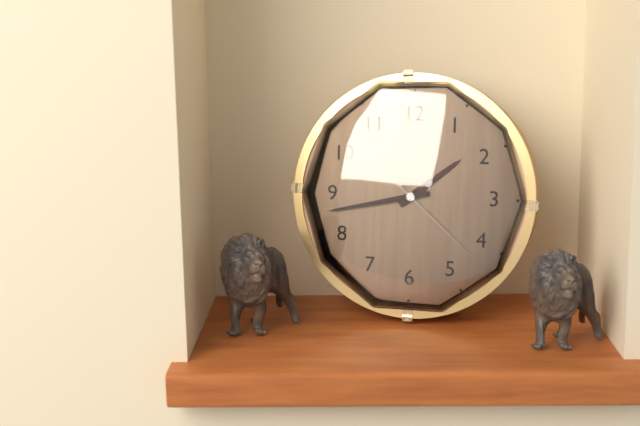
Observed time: 1:43:22
